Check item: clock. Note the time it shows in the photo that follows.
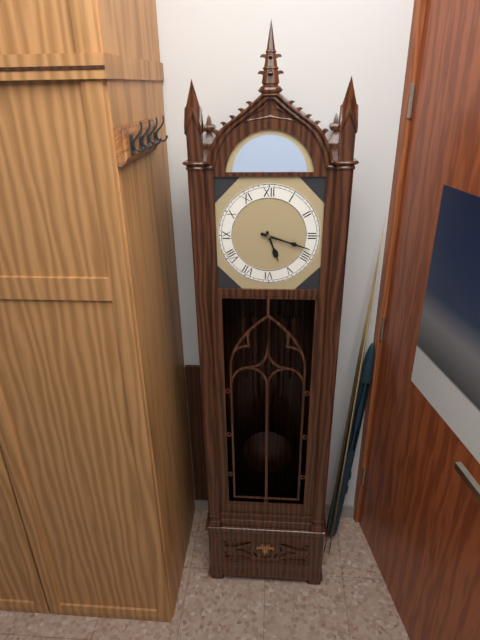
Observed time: 5:18
